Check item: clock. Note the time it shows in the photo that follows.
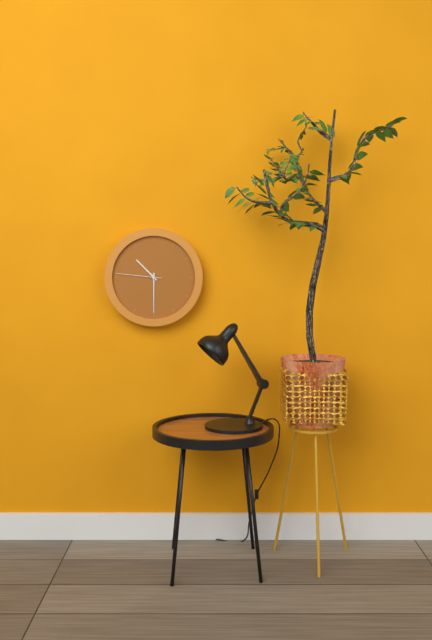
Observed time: 10:30
